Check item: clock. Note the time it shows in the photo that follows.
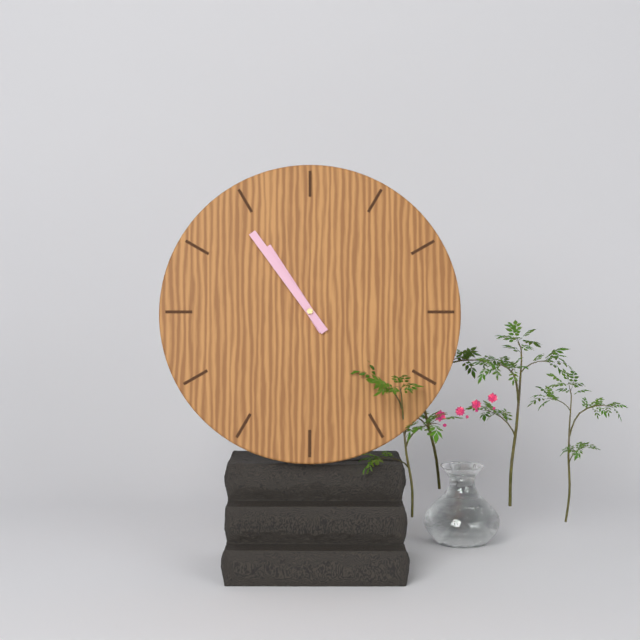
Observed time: 10:54
